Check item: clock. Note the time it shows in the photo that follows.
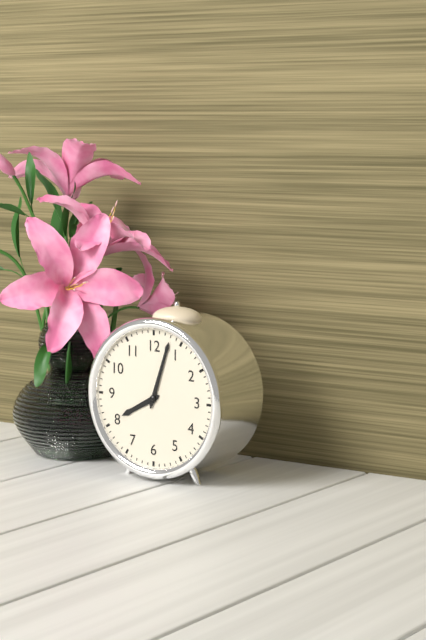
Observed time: 8:03
